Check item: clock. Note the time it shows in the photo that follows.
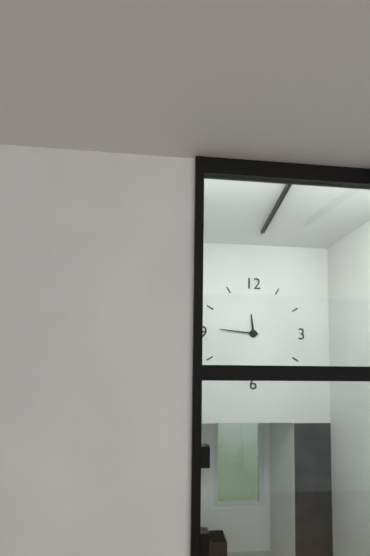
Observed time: 11:46
